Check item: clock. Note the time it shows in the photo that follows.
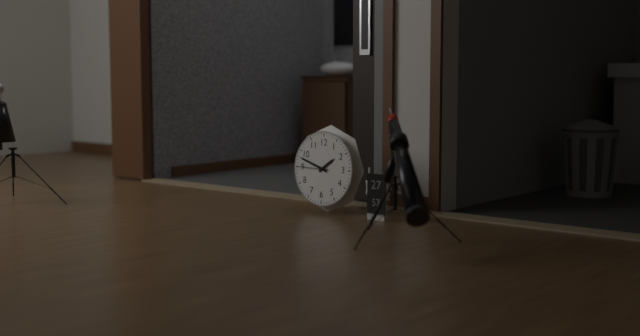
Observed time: 1:48
